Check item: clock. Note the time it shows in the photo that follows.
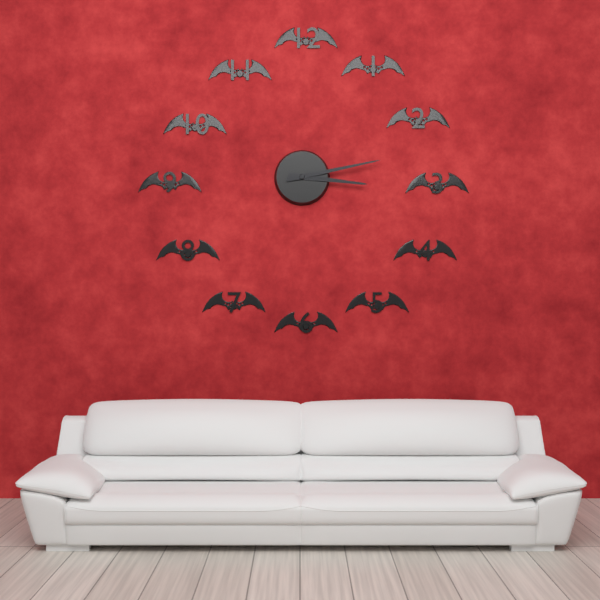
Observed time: 3:13
